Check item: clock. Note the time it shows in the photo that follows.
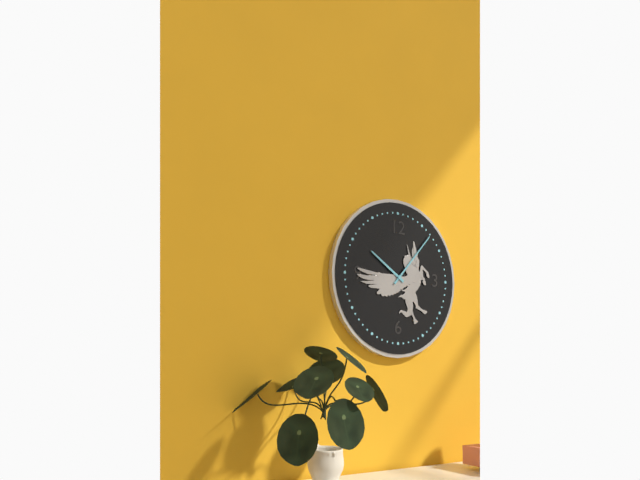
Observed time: 10:07
